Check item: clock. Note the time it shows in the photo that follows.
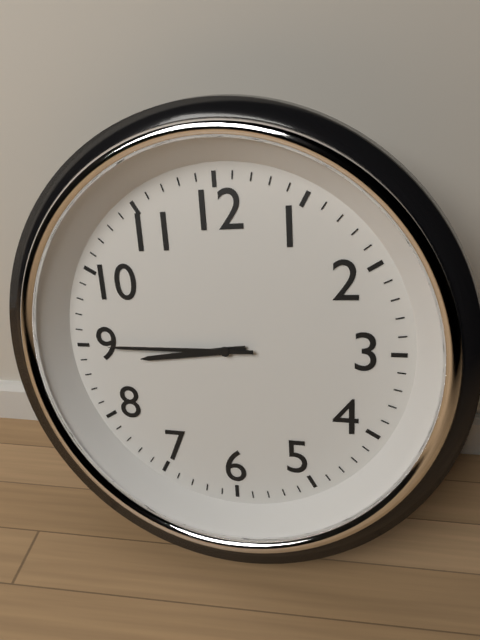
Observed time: 8:45
